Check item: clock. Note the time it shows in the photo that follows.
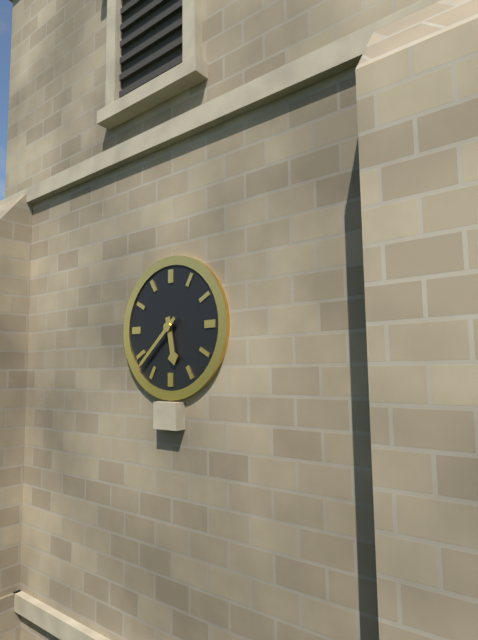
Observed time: 5:38
